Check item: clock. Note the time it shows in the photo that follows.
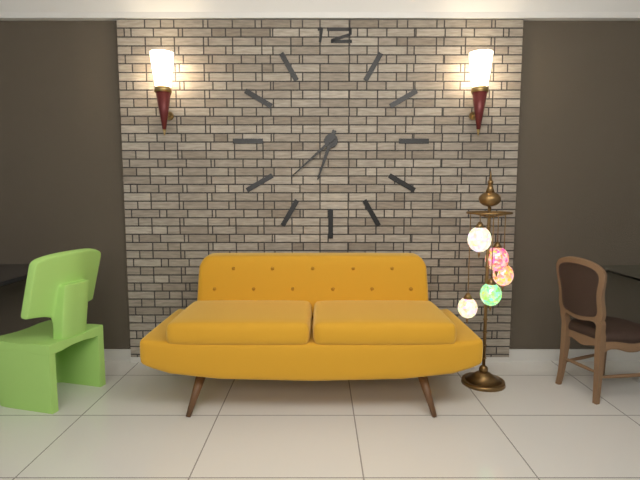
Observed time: 6:38
